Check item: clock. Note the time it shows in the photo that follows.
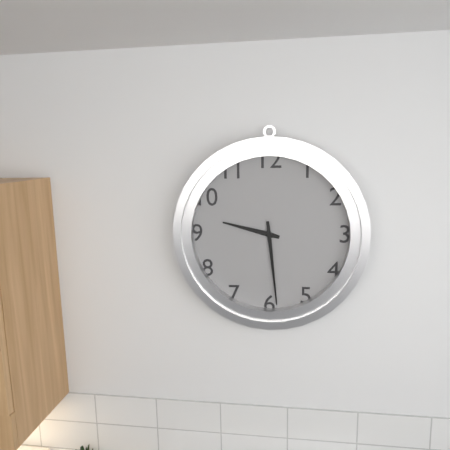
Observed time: 9:29
